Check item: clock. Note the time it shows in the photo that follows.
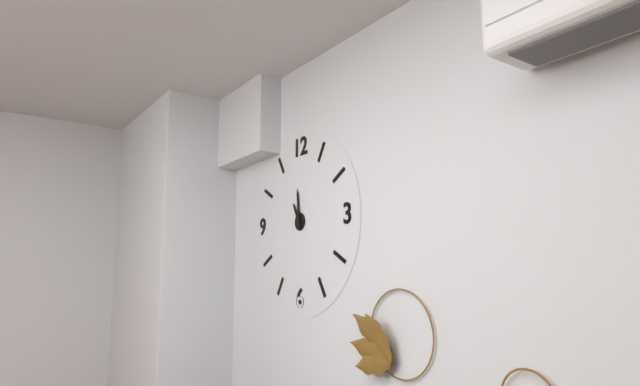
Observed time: 10:59
